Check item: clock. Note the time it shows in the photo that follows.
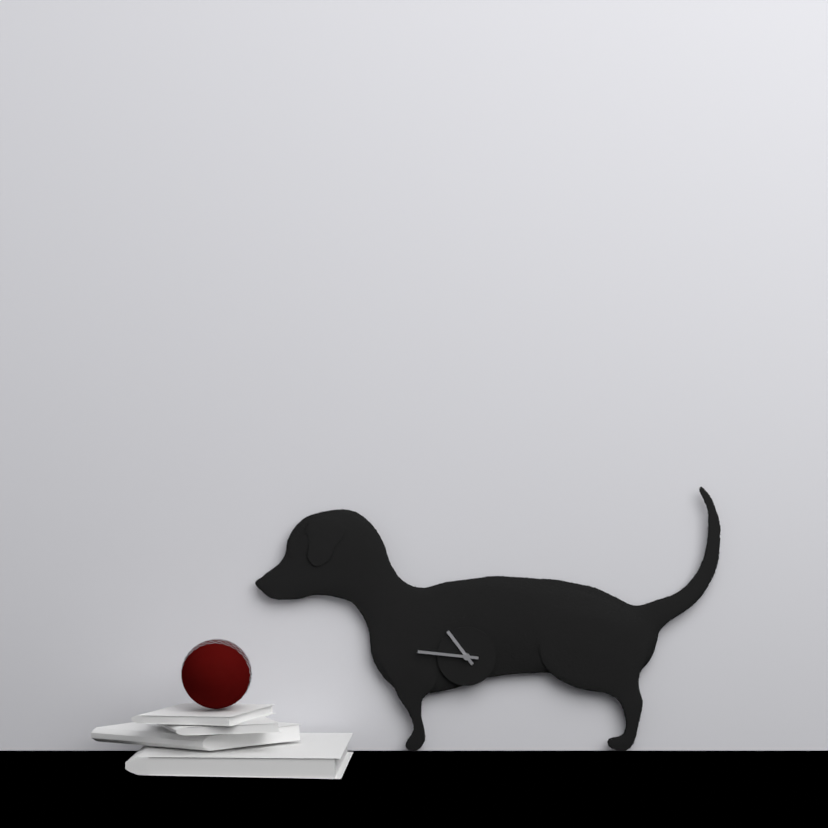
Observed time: 10:46
